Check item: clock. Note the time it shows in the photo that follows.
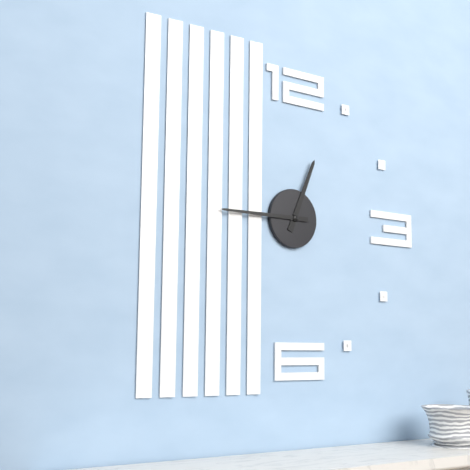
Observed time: 12:45
